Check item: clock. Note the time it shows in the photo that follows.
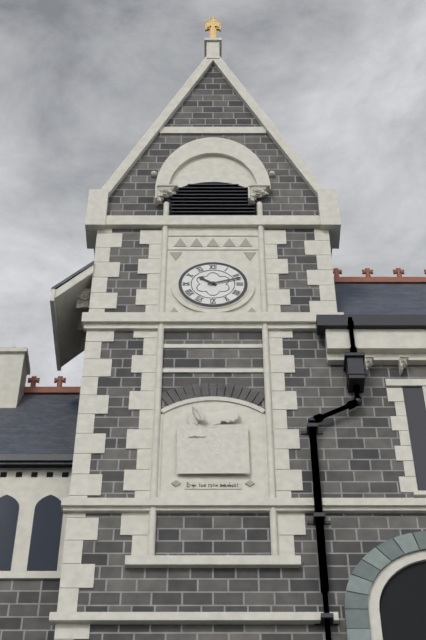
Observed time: 10:12
